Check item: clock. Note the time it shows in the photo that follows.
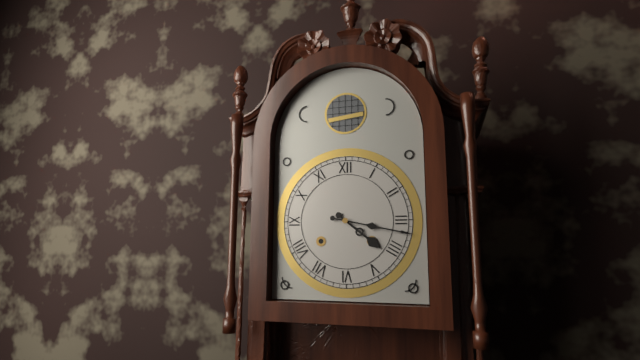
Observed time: 4:17
